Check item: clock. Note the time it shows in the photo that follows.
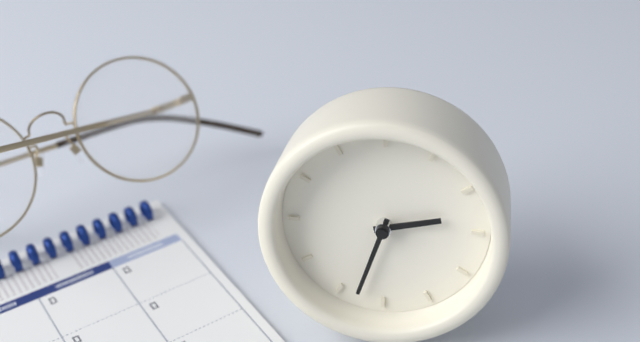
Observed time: 2:33
